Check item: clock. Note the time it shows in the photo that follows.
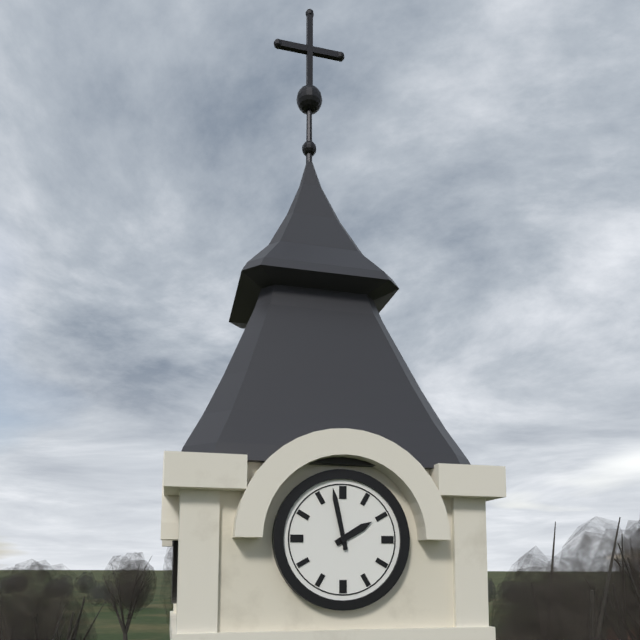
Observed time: 1:58
